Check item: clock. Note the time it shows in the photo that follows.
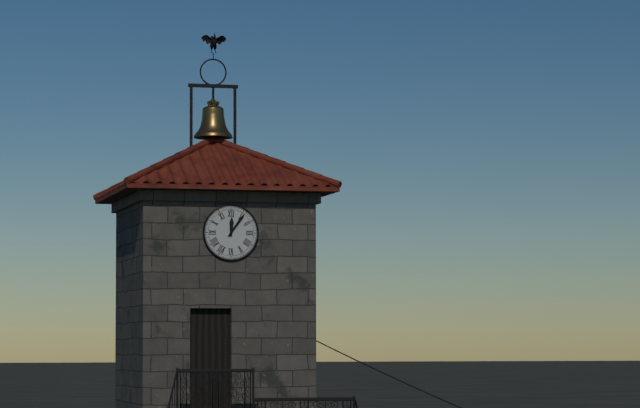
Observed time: 12:06
